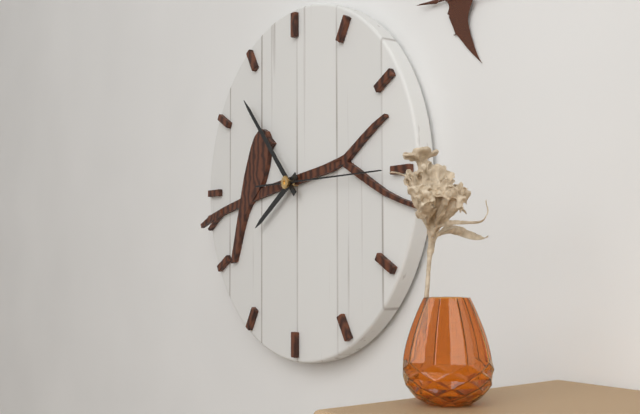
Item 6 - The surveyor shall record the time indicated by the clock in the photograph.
7:53:15
